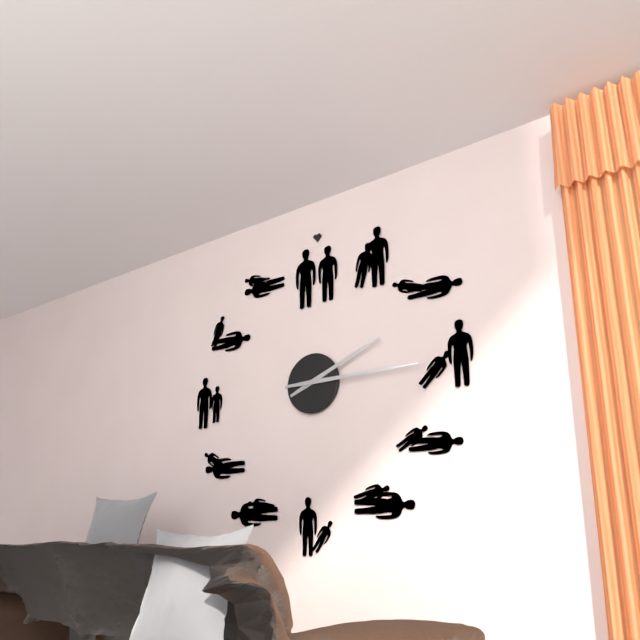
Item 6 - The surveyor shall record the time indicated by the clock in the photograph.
2:15
